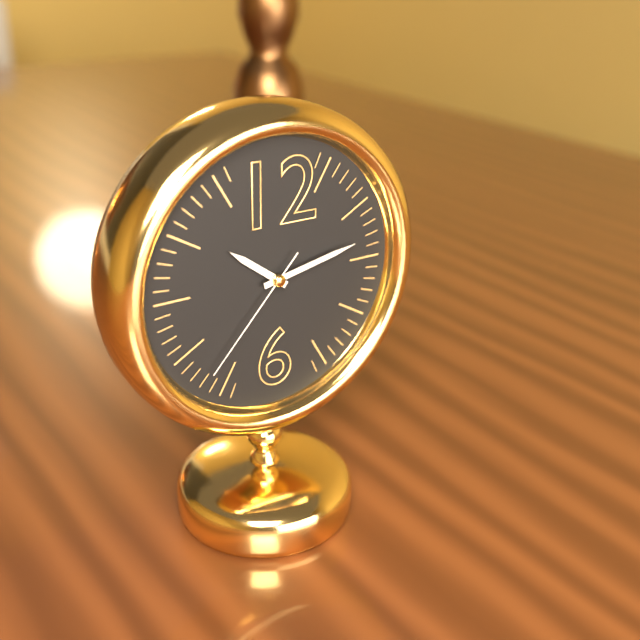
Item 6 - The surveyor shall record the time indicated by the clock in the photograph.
10:13:37
